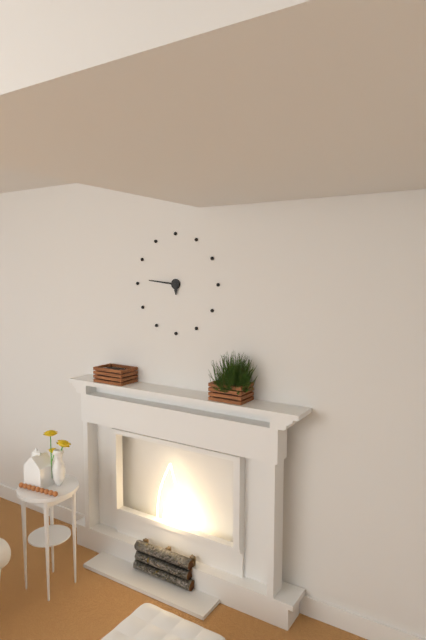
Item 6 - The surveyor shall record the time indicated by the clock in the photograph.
5:46
